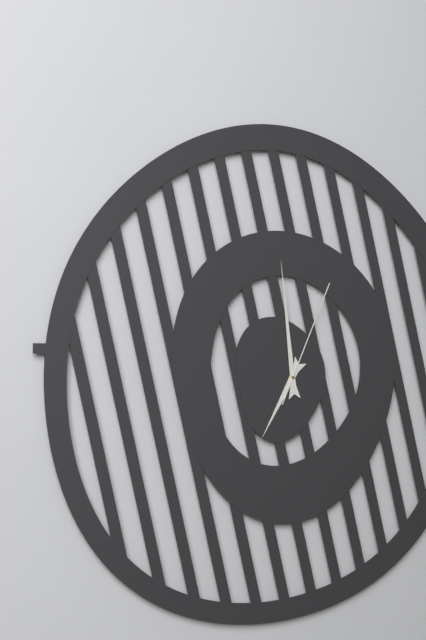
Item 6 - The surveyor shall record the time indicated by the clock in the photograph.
6:59:04
